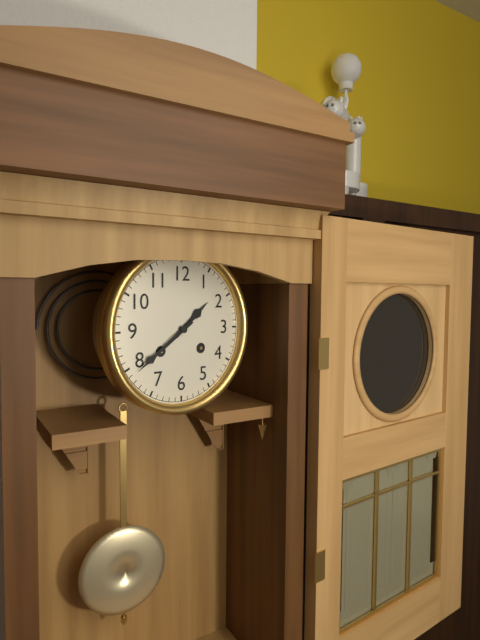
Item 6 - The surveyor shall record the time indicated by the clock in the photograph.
1:39
